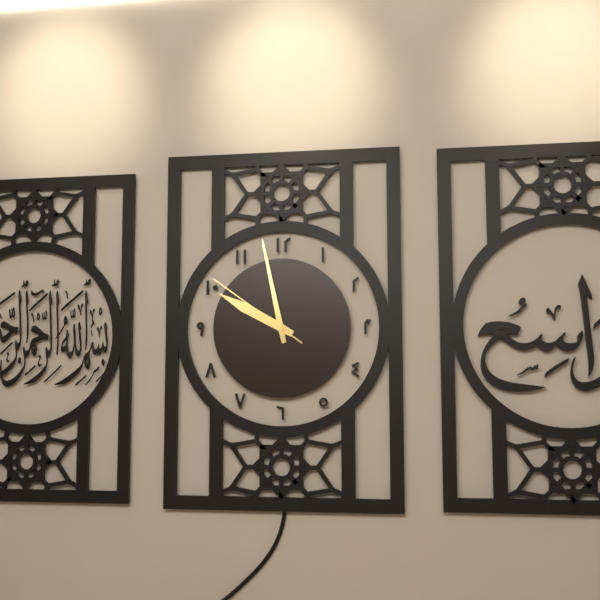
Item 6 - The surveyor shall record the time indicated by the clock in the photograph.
9:58:51
